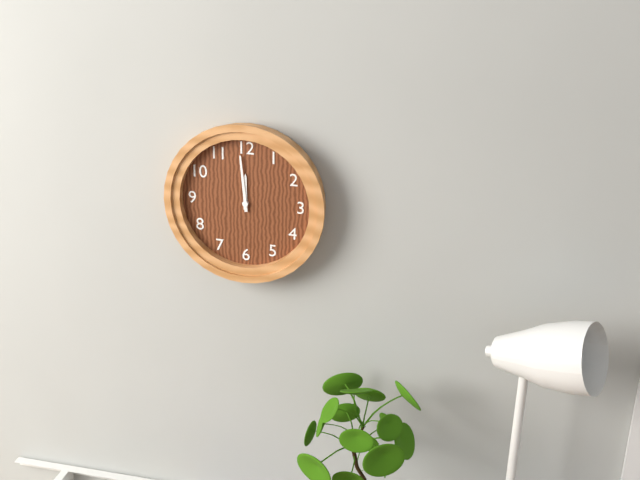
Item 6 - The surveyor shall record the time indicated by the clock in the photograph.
11:59
